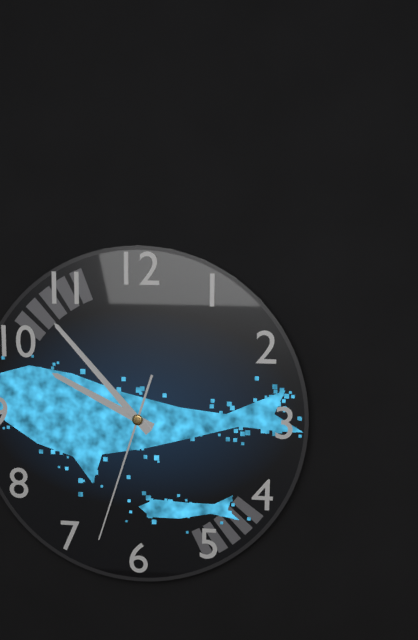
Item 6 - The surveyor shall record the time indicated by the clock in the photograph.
9:53:33
